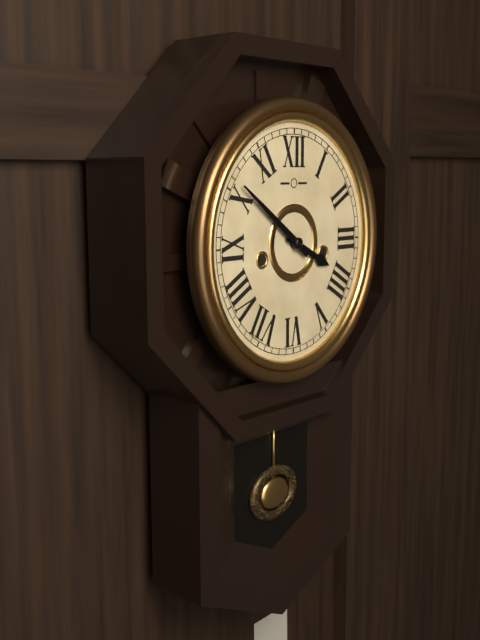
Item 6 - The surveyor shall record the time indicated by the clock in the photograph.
3:51
